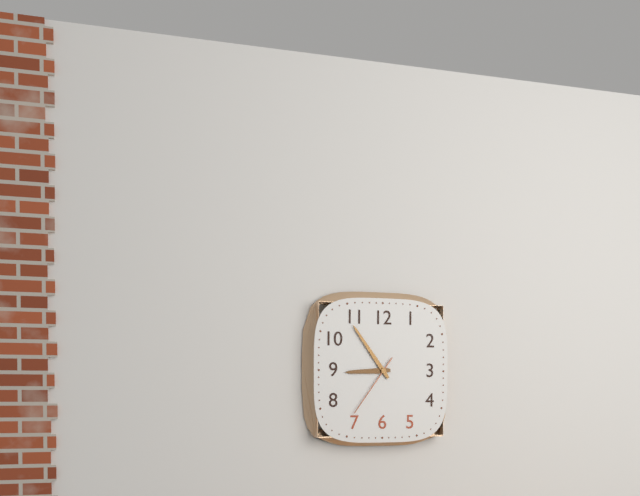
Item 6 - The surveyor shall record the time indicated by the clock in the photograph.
8:54:36
